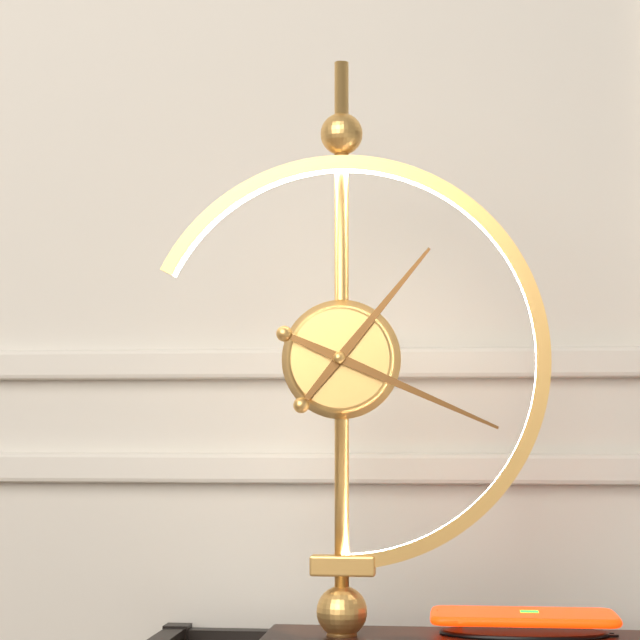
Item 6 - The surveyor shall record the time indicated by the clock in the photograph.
1:19
